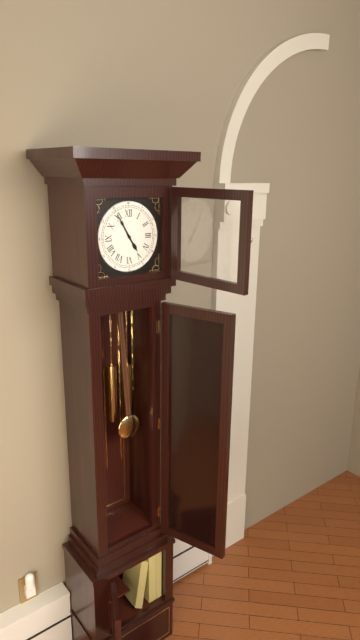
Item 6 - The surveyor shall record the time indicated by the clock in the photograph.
4:55
